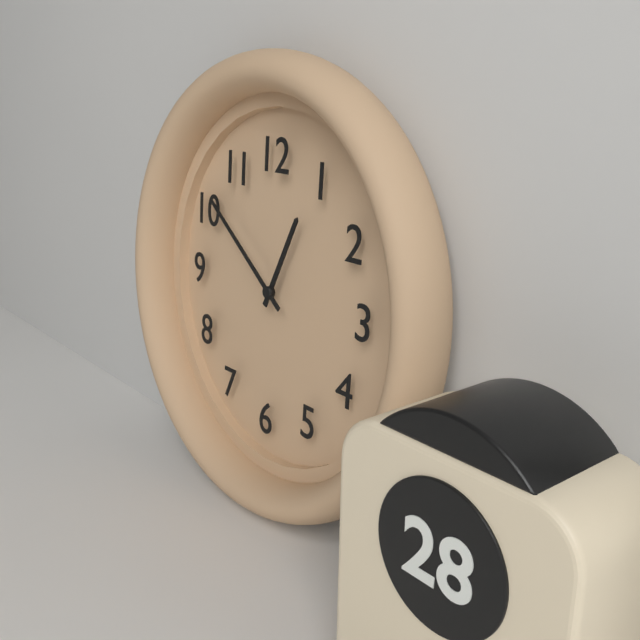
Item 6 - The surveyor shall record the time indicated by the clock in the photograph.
12:51
